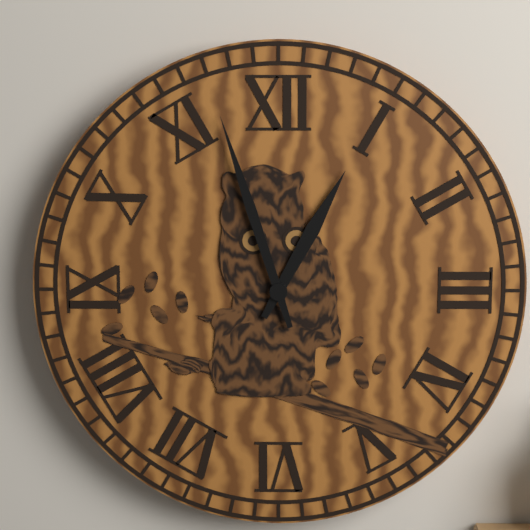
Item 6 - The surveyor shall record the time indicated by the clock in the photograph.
12:57
